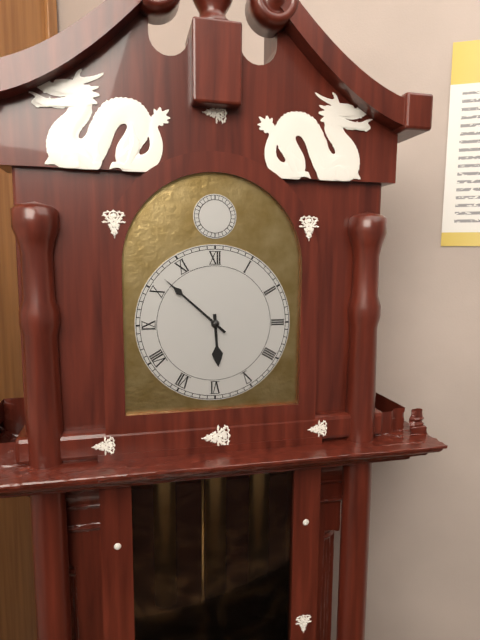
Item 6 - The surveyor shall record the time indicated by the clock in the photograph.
5:52
